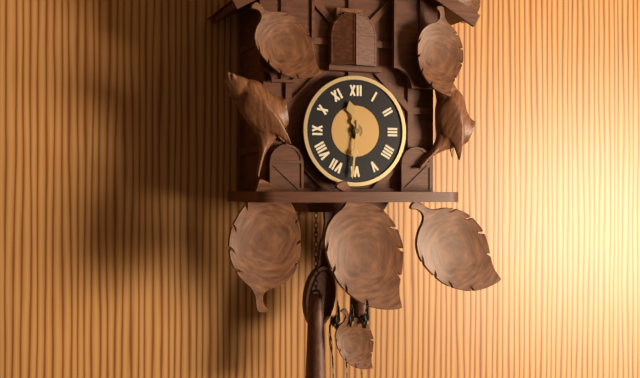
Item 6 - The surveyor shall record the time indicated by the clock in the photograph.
11:31
